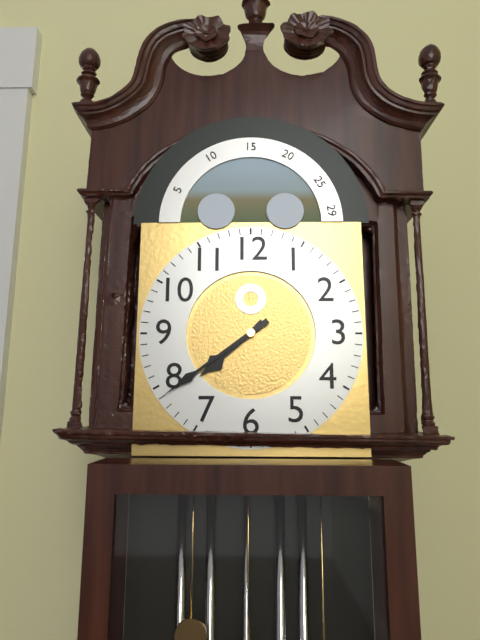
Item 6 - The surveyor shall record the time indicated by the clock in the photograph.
7:39
